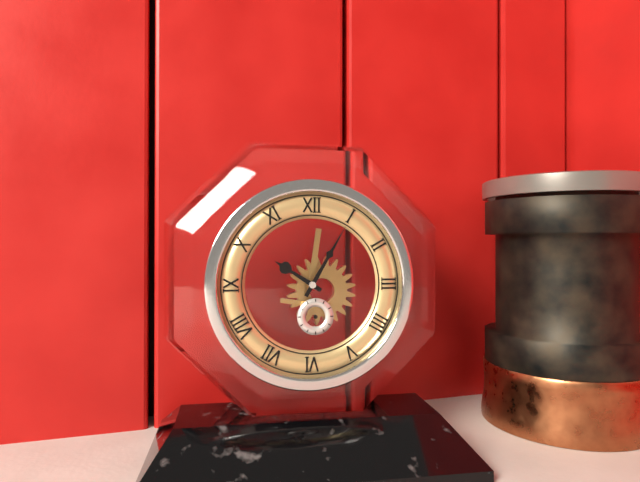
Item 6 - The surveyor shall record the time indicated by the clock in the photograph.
10:05
